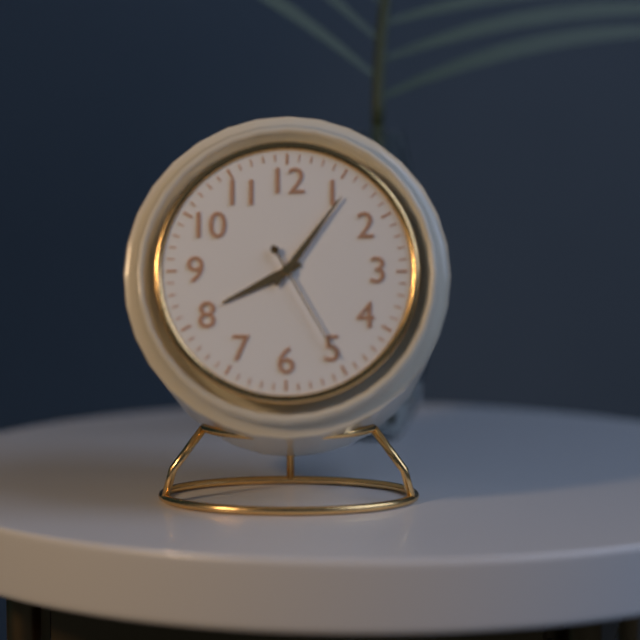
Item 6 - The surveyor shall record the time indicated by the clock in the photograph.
8:06:25
